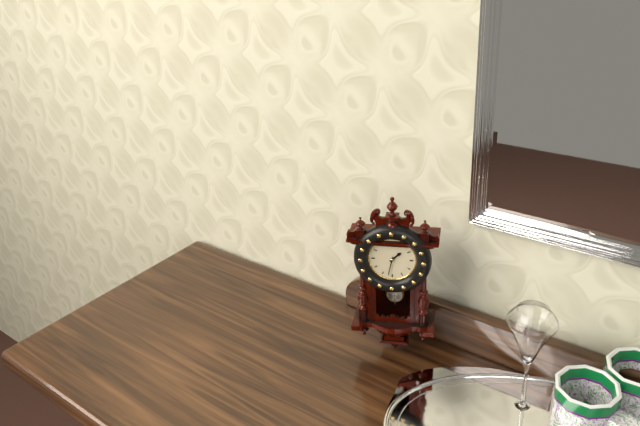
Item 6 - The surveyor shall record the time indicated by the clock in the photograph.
1:32
